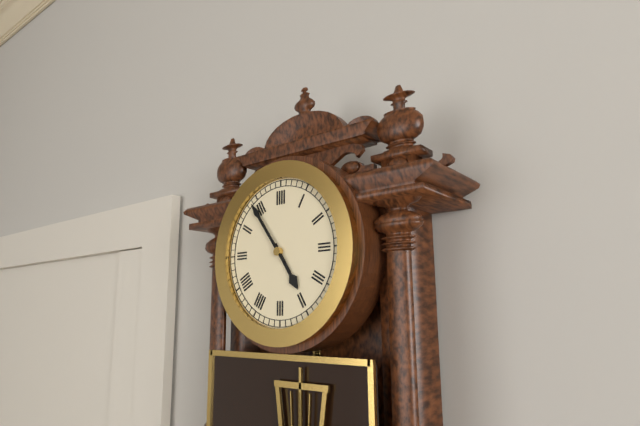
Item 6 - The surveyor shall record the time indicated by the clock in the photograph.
4:54
